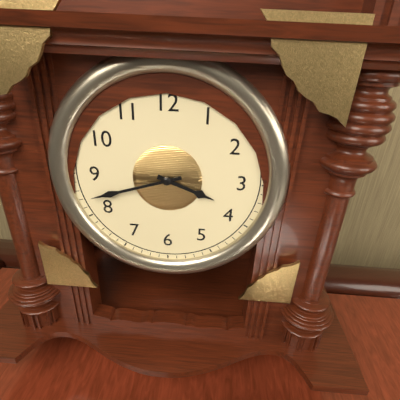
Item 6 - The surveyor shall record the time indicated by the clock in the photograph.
3:42
